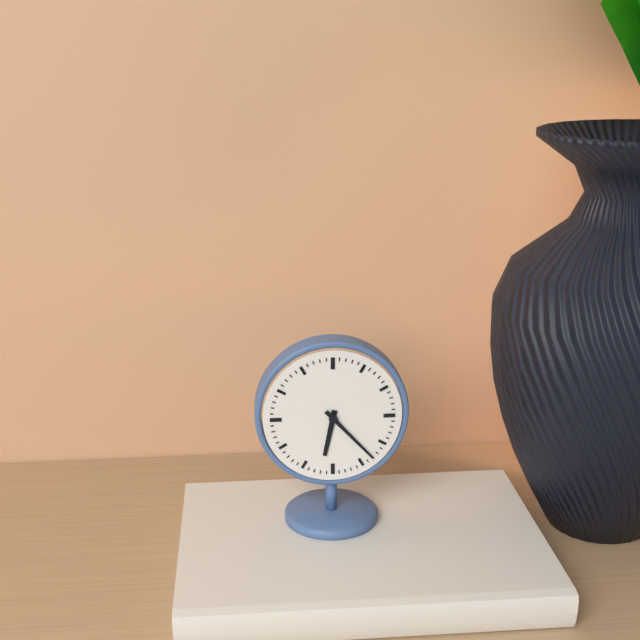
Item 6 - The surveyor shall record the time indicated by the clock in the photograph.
6:23
